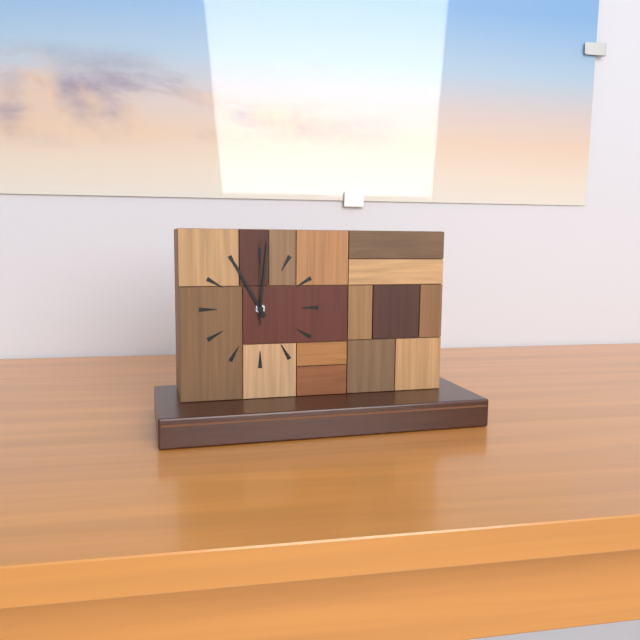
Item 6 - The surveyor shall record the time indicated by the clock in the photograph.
11:01:00
